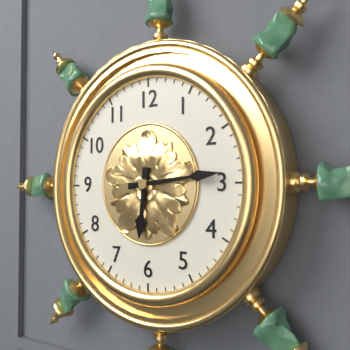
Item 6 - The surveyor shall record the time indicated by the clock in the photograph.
6:14
